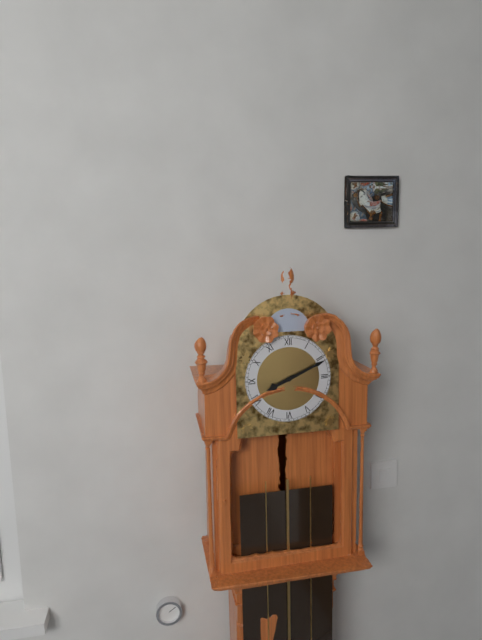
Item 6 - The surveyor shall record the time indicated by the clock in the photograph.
8:11
